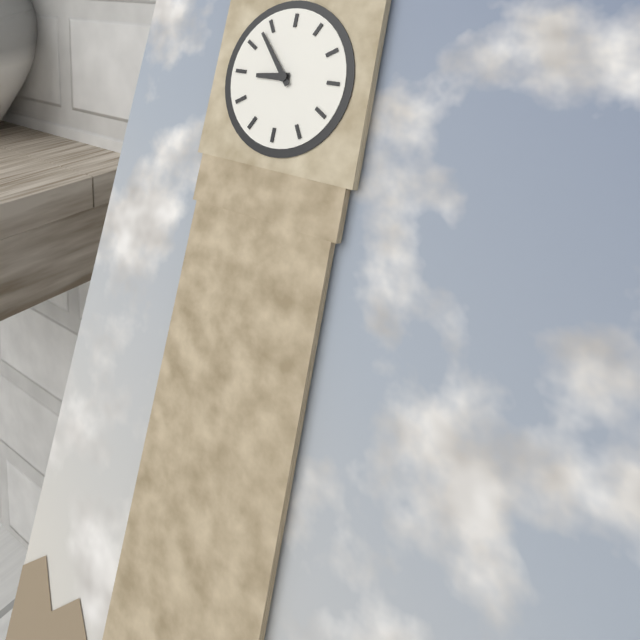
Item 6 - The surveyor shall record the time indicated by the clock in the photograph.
8:53
